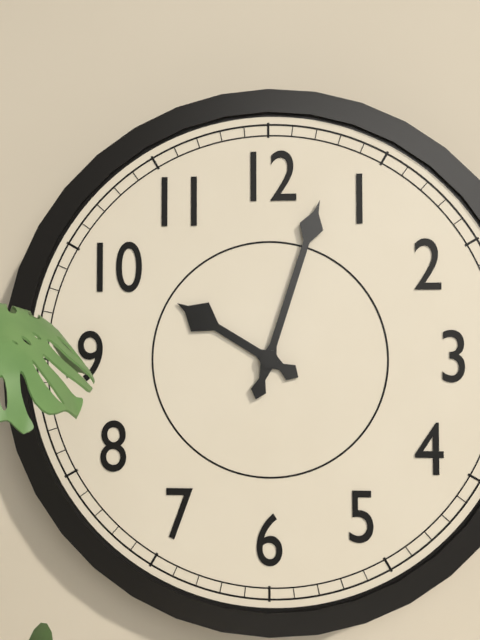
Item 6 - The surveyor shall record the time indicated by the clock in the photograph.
10:03
